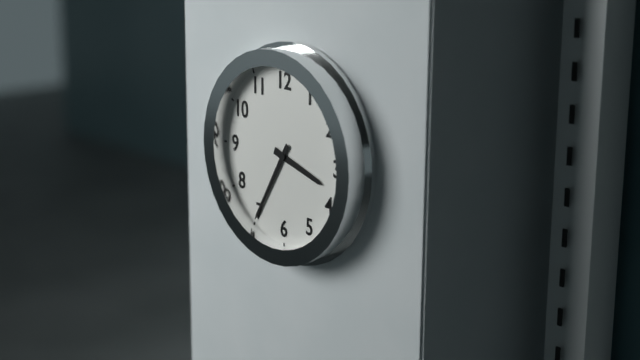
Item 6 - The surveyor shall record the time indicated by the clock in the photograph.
3:35
